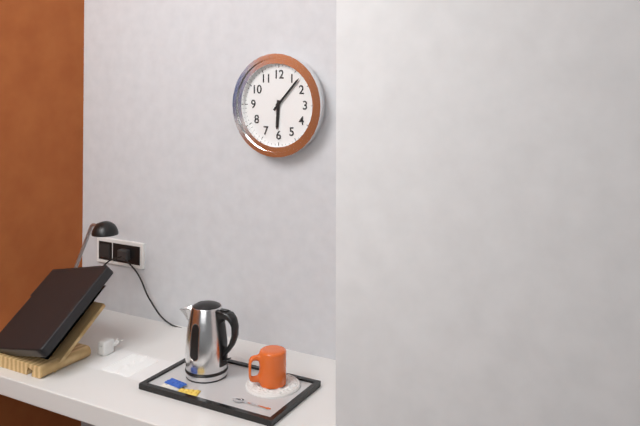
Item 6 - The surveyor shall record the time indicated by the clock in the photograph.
6:07
